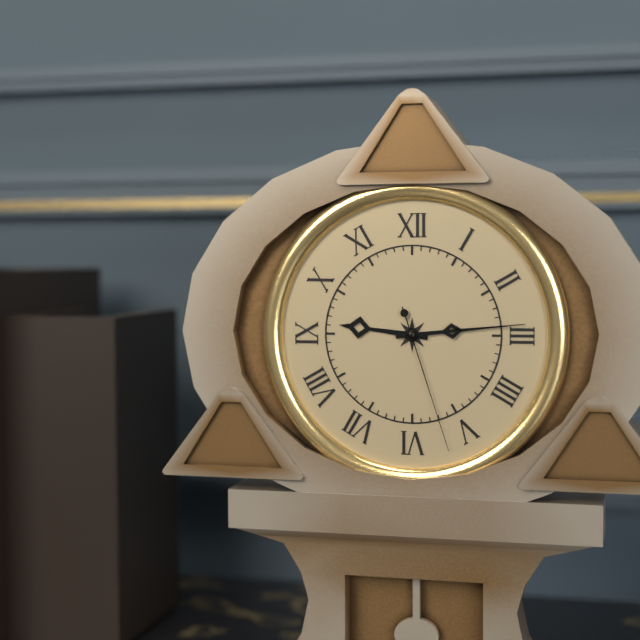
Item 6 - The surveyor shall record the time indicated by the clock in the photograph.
9:14:27
